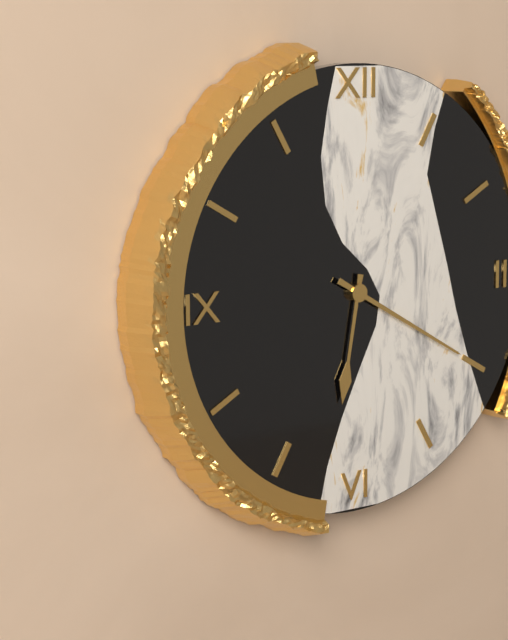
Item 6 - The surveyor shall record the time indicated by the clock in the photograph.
6:20
